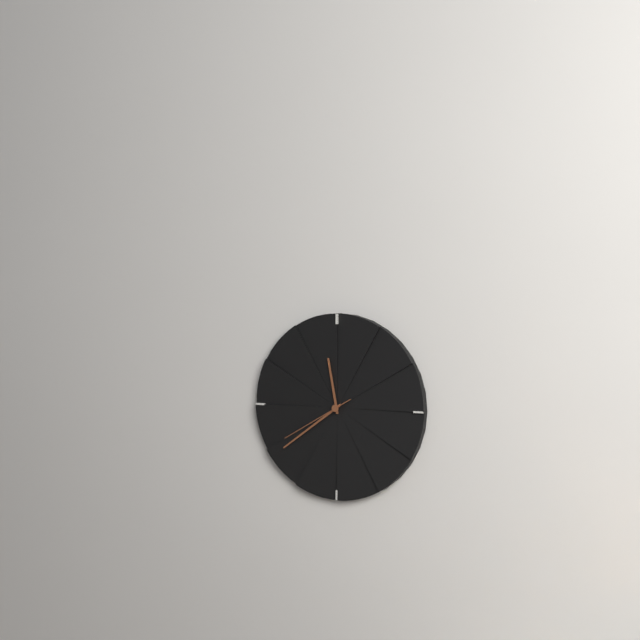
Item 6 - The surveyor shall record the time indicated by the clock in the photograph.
11:39:40
